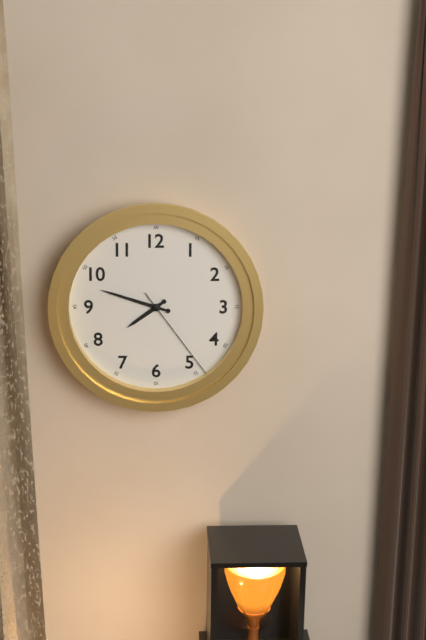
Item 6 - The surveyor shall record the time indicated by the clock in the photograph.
7:48:24
